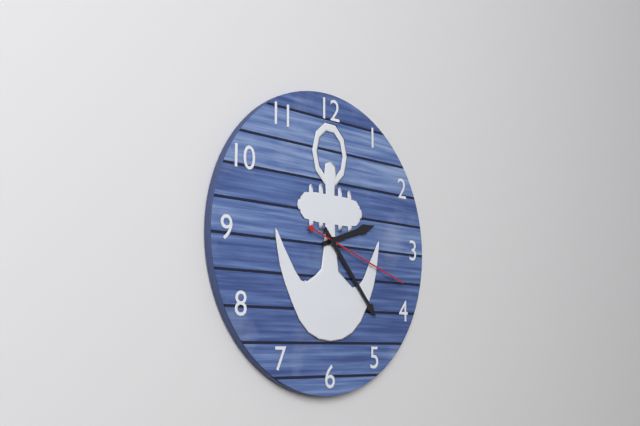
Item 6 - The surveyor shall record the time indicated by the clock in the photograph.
2:23:18
